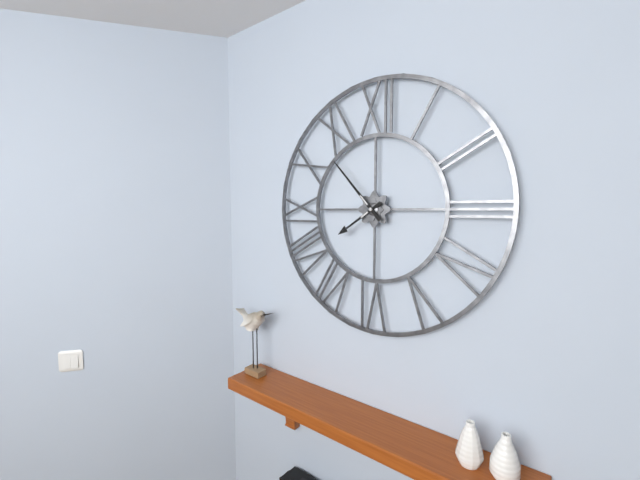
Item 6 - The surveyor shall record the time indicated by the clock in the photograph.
7:53
